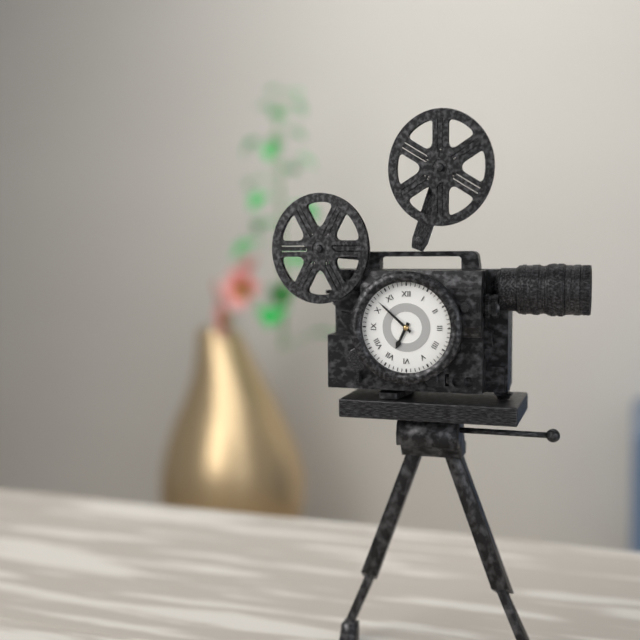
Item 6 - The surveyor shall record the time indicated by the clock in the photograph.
6:52
